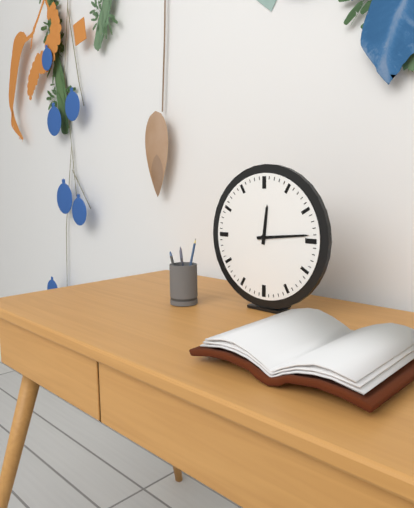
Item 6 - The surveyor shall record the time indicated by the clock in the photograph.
12:14
